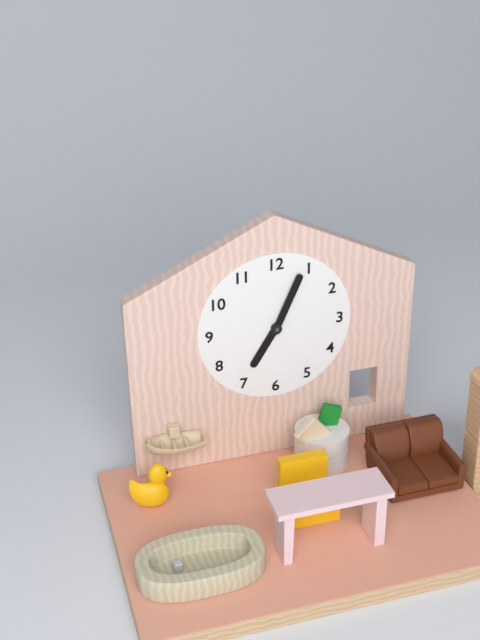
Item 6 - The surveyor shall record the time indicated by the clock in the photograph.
7:04
